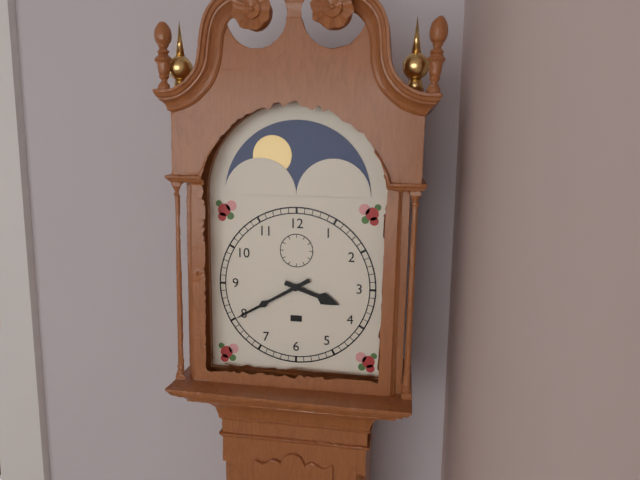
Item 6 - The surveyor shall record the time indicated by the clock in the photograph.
3:40
